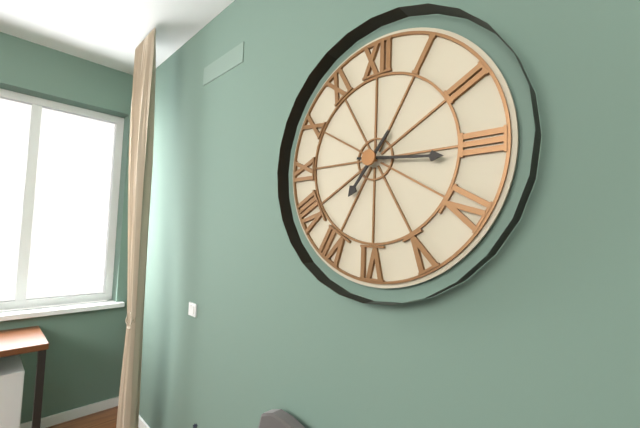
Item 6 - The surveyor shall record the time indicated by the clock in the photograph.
7:16
